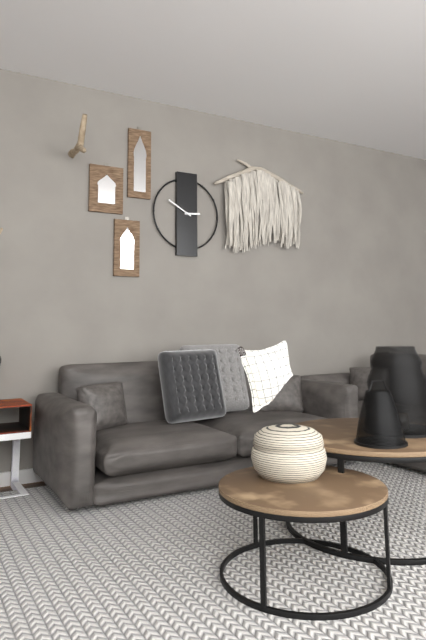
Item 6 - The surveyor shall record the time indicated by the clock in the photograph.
2:50
